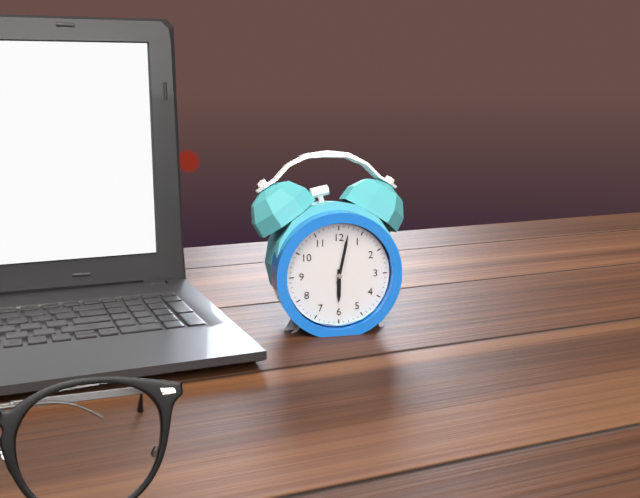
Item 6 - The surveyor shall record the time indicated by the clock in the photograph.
6:02
